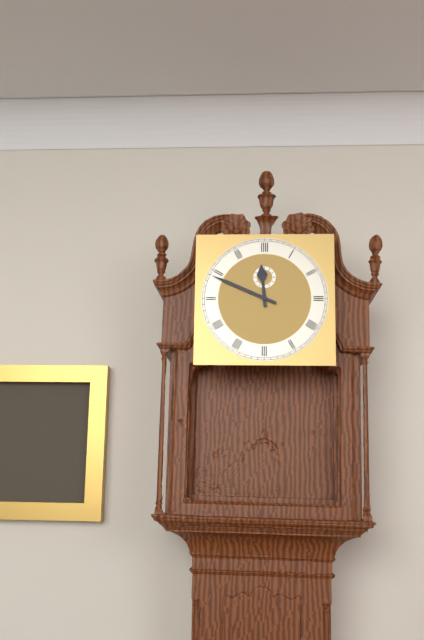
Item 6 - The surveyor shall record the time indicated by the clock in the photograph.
11:49
